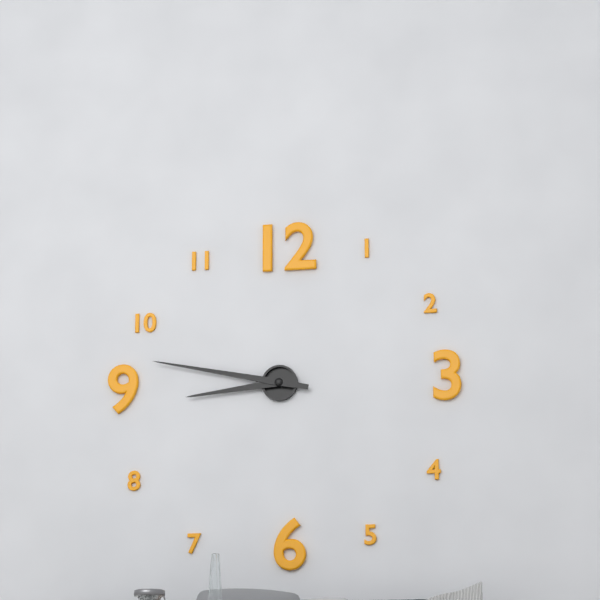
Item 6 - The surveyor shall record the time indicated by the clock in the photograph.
8:47
